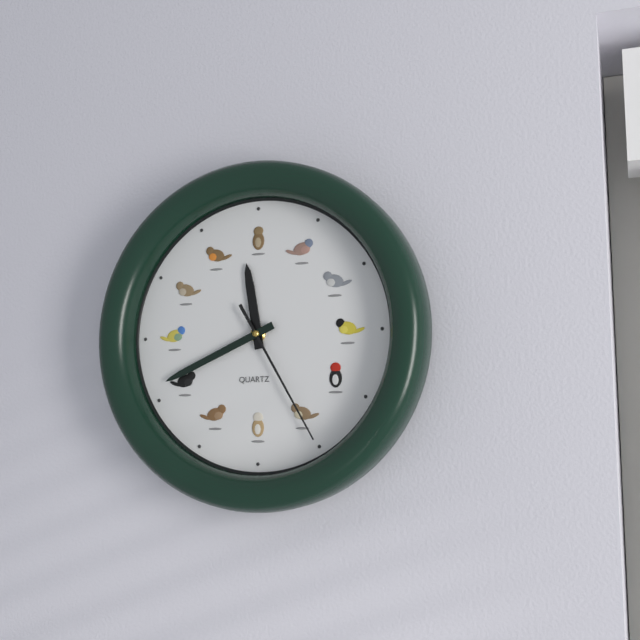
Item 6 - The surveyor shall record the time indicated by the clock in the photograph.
11:41:25
